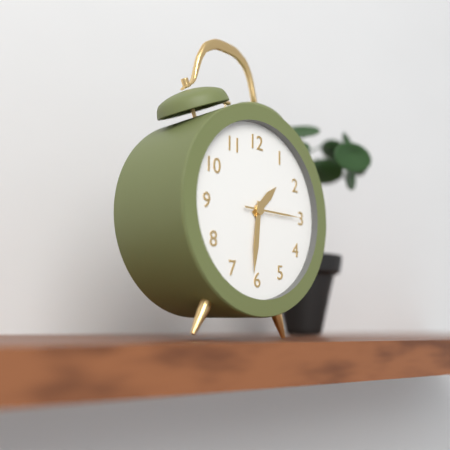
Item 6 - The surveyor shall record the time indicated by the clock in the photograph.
1:31:15
